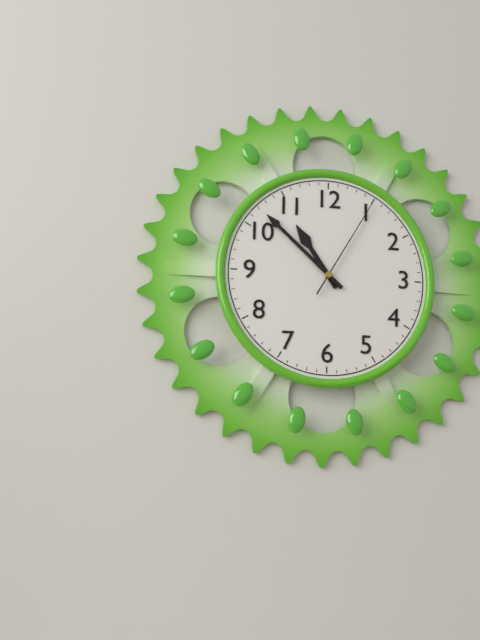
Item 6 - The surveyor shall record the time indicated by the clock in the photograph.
10:52:05
